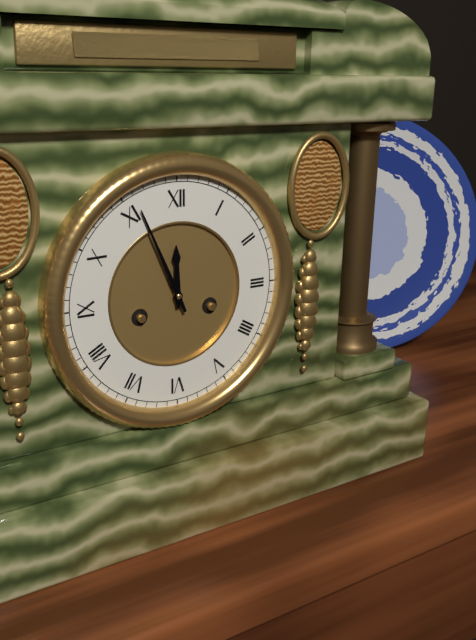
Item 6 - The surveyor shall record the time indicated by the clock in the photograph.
11:56
